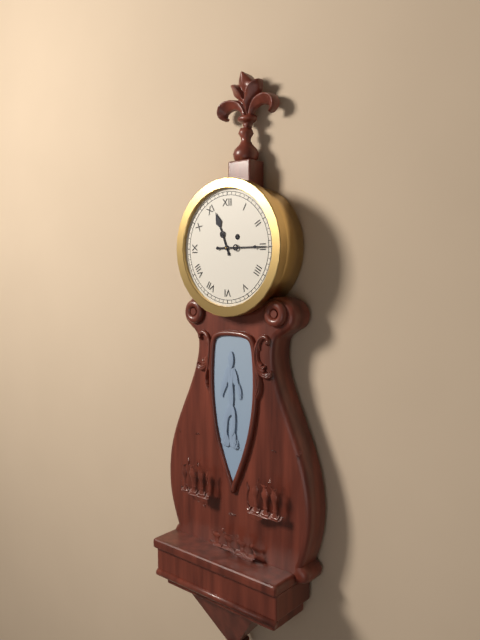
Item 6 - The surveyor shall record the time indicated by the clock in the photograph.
11:15
